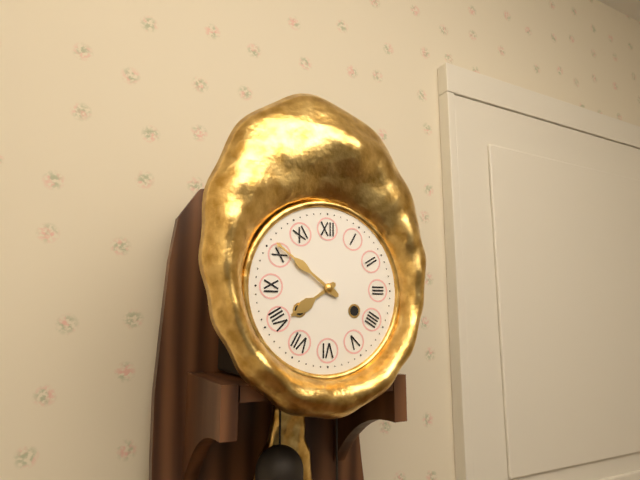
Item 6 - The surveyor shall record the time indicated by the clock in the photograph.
7:51
